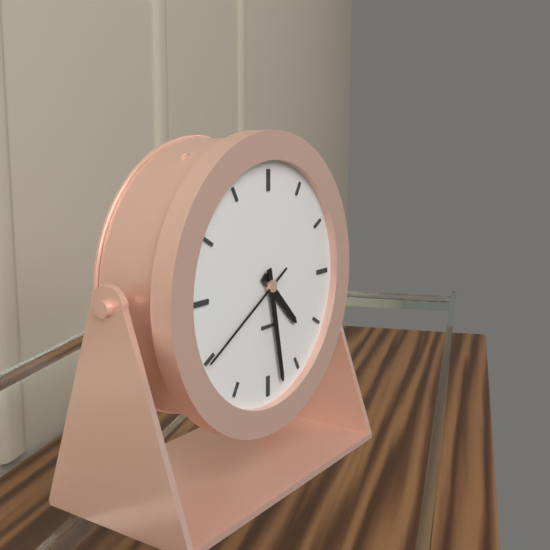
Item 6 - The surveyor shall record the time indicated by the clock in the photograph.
4:28:40
